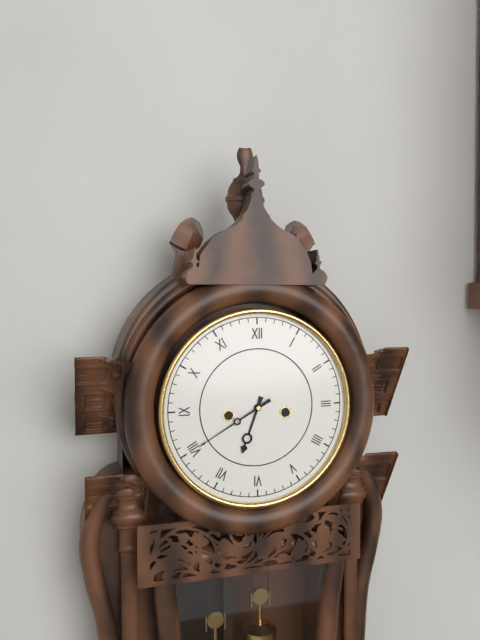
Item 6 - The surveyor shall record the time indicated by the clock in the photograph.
6:40
